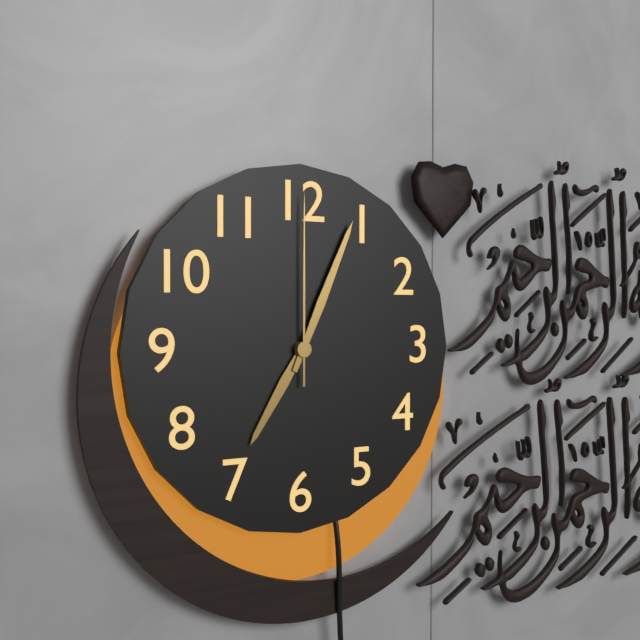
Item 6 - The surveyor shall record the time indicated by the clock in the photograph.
7:04:00
